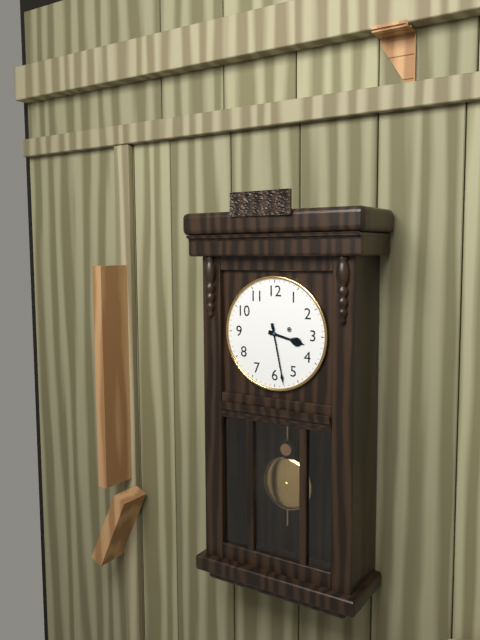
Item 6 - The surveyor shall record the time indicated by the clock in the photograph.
3:28
